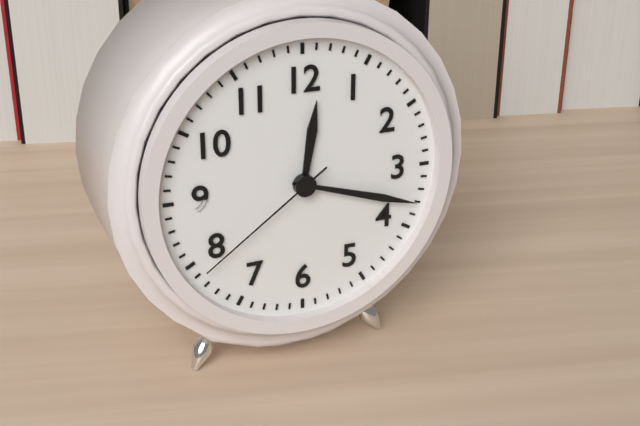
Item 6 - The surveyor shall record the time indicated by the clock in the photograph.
12:18:39
